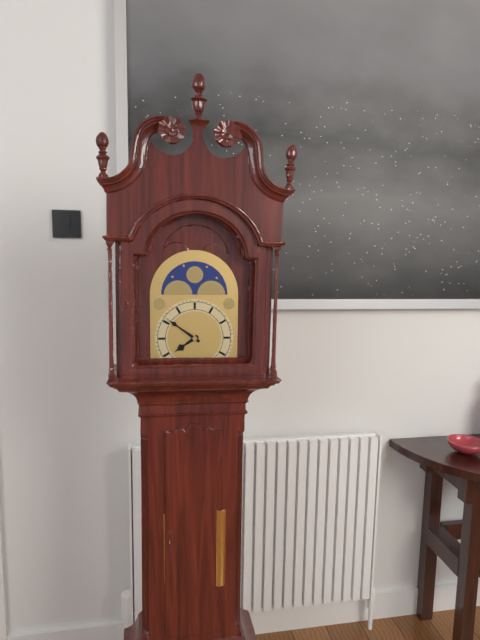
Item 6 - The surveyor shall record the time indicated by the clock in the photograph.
7:51
